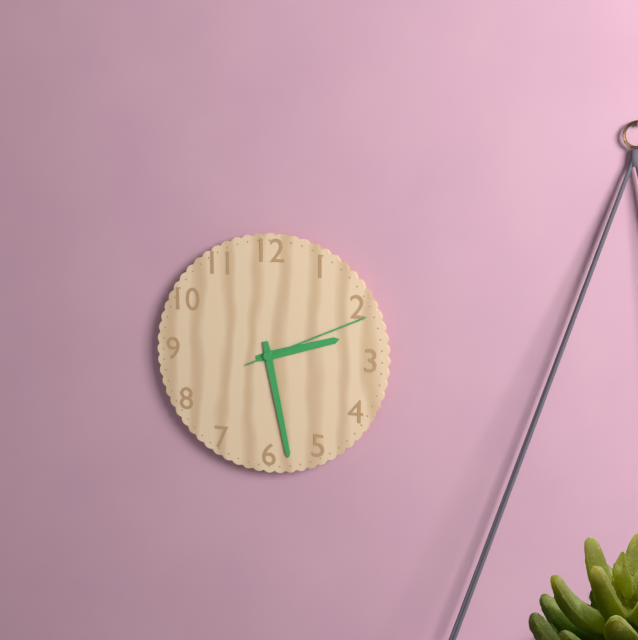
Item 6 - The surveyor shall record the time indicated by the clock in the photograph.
2:28:11
